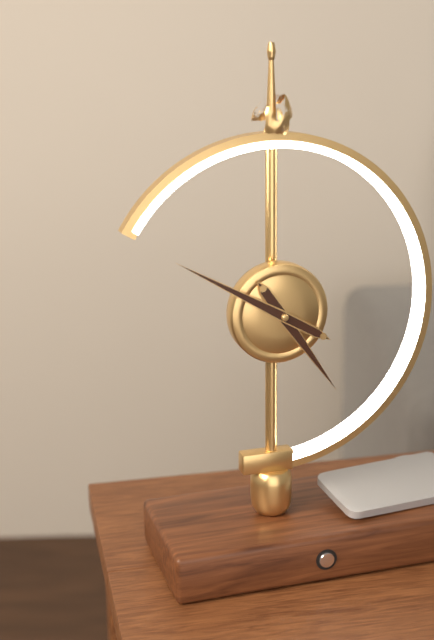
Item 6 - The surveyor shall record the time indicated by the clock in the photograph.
4:50
